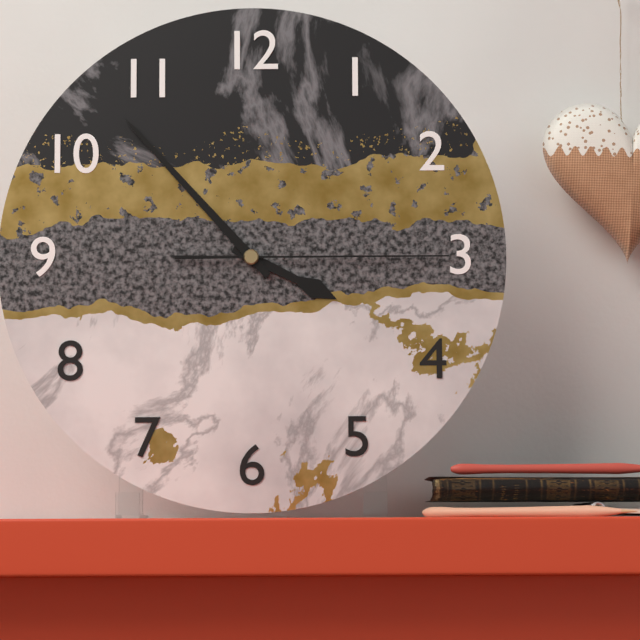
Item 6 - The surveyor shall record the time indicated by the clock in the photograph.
3:53:15
